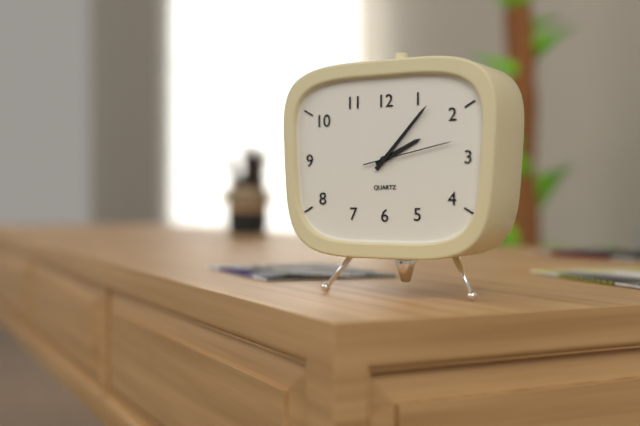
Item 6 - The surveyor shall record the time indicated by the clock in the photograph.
2:07:13
